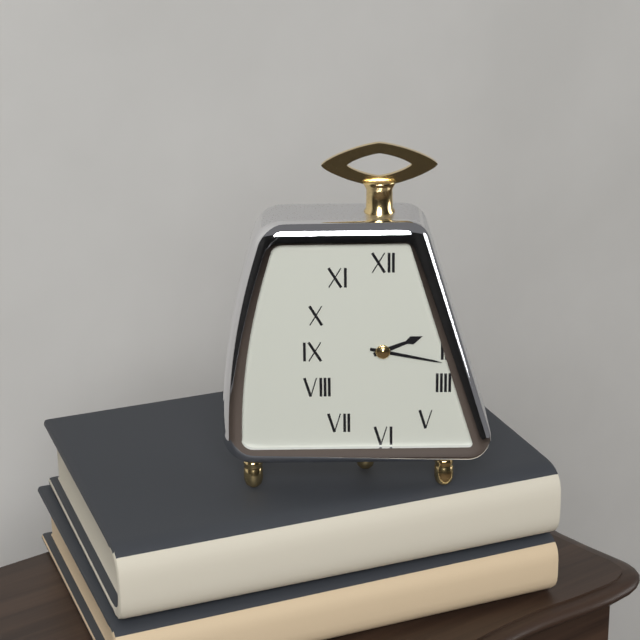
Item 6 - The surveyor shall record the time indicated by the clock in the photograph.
2:17
